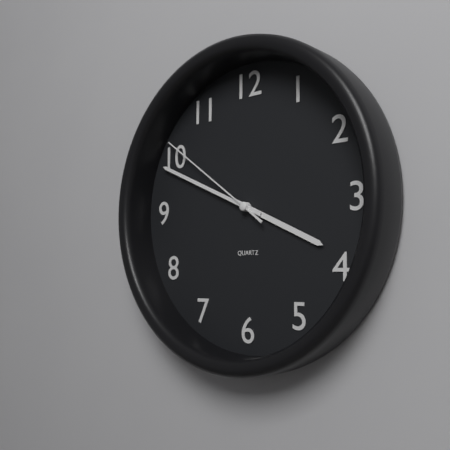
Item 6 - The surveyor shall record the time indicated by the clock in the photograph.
3:49:51
